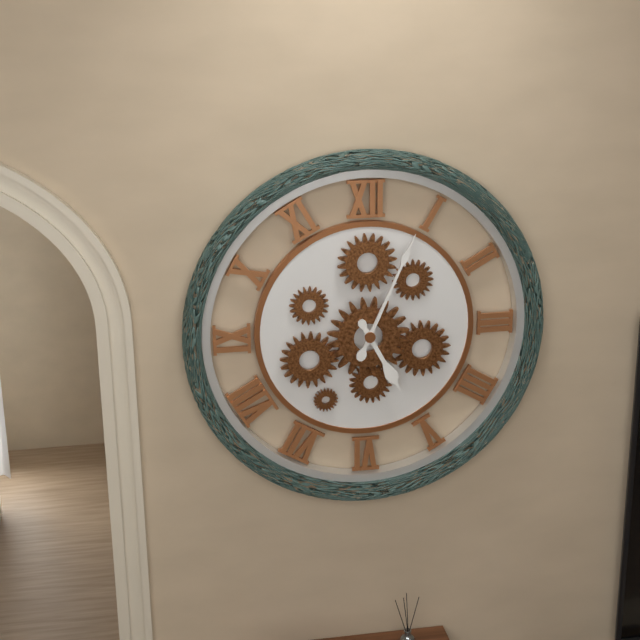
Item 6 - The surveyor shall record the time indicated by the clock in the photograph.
5:04
